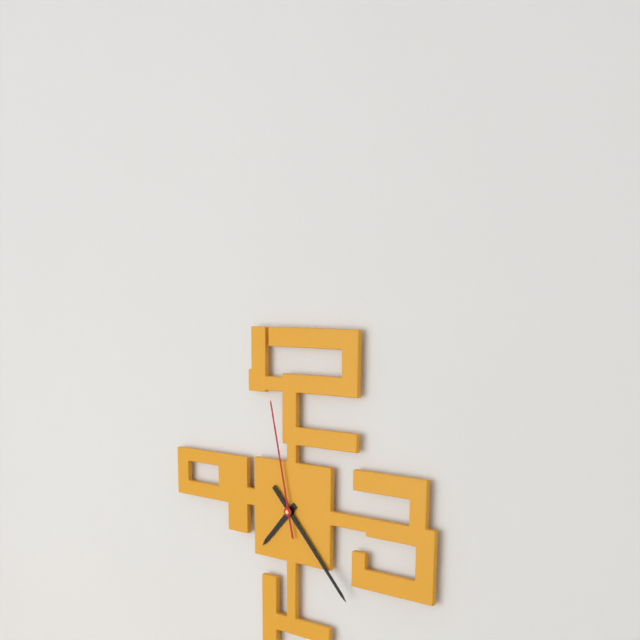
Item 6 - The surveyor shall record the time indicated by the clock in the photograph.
7:23:58
